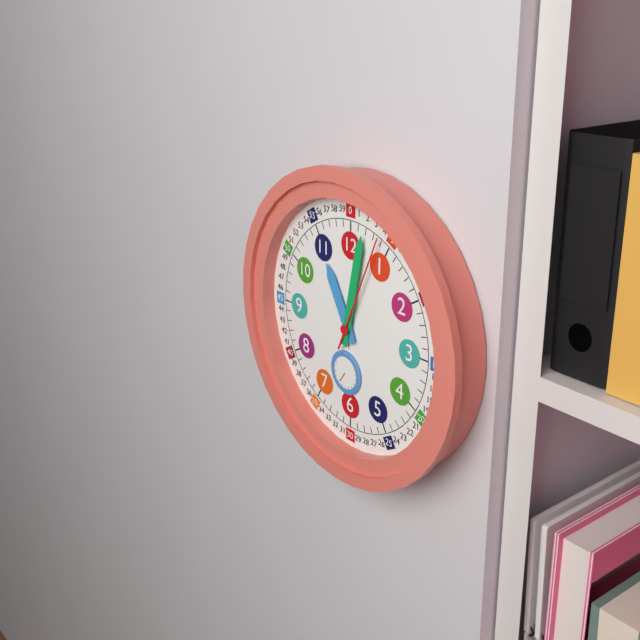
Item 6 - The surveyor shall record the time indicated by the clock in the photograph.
11:02:04
